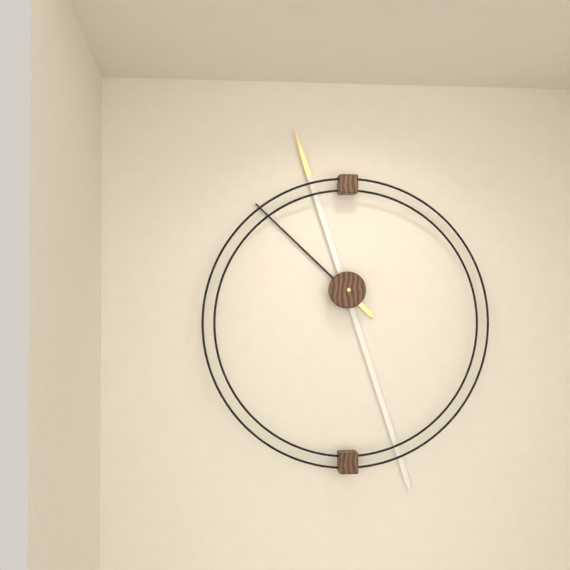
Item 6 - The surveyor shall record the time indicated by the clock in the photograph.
10:27
